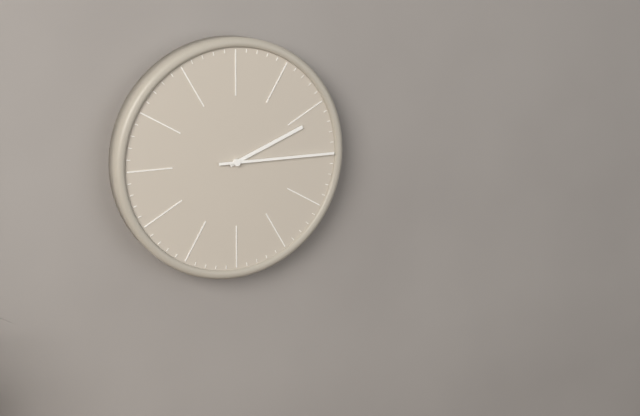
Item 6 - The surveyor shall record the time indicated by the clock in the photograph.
2:15
